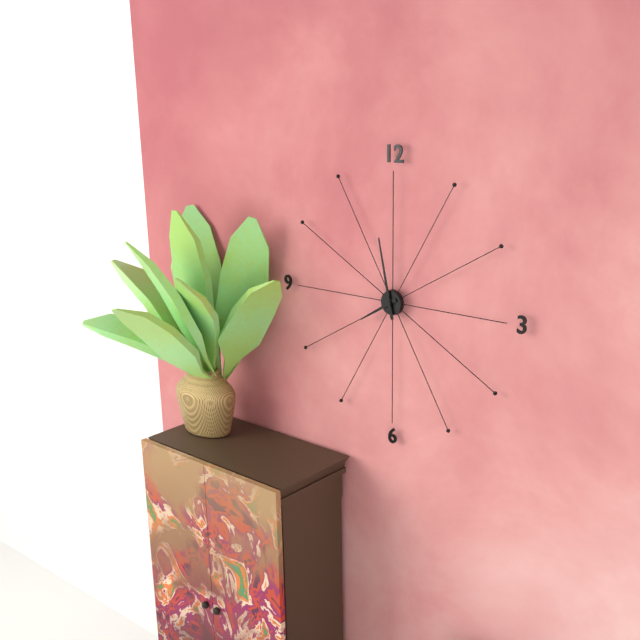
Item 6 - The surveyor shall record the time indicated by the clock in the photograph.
7:58
